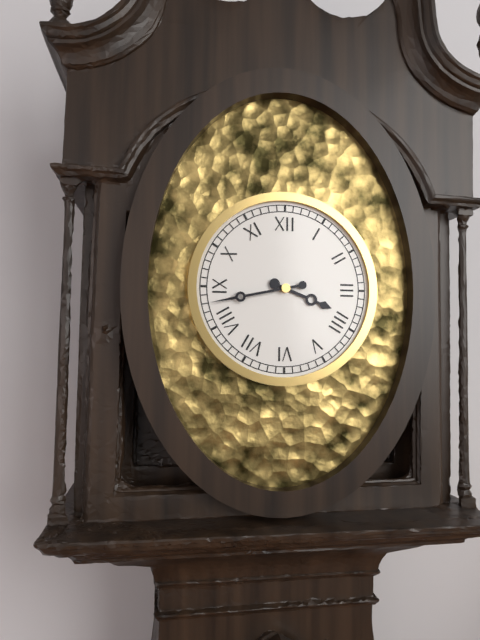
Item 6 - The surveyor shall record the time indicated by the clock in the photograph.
3:43
